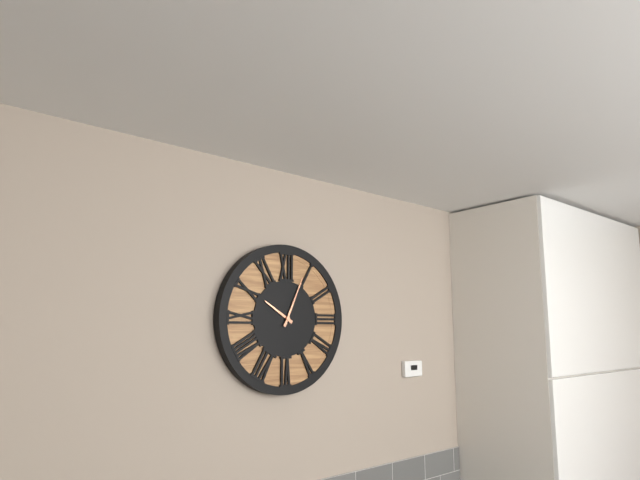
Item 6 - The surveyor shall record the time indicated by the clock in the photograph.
10:04
